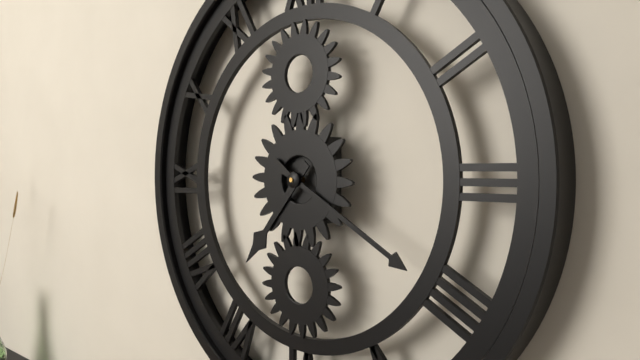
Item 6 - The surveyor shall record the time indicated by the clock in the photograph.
7:20
